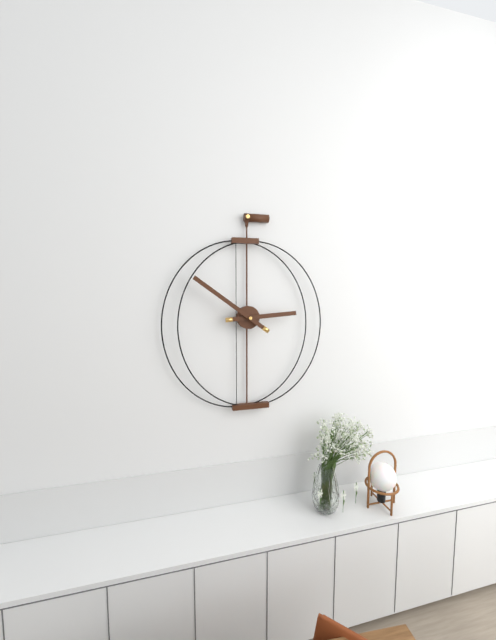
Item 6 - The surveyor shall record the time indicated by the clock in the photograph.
2:51
